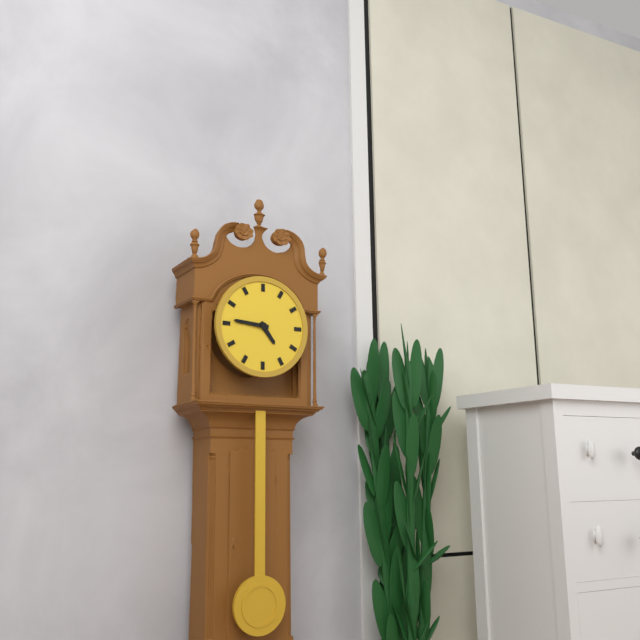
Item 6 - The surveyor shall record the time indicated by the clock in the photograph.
4:46
